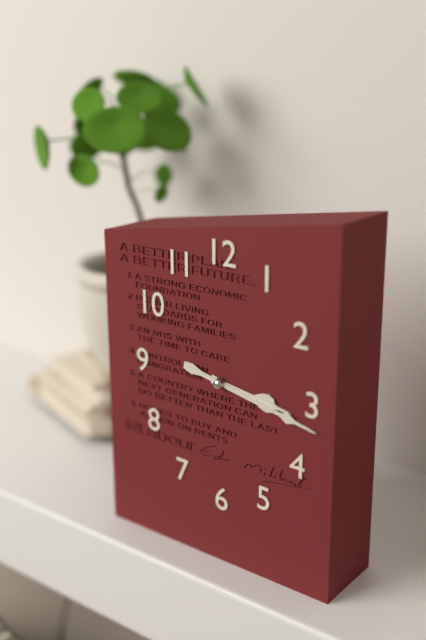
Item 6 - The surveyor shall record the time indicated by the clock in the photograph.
3:17
